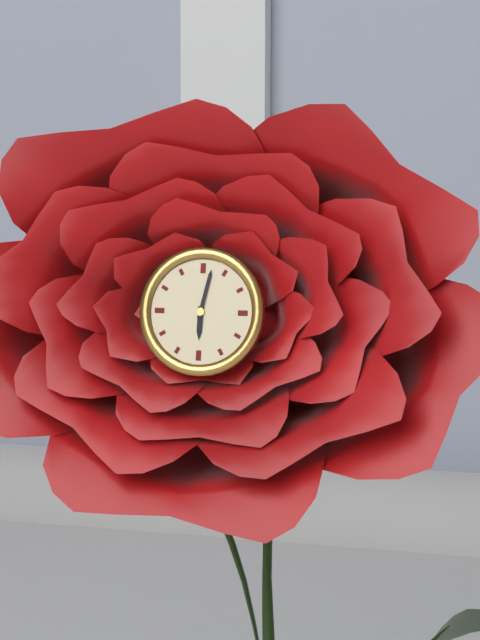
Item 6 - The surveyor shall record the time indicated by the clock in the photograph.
6:02
